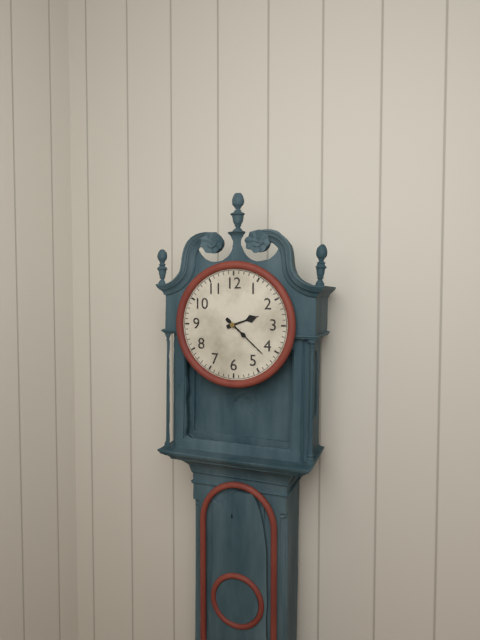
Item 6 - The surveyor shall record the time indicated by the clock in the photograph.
2:22
